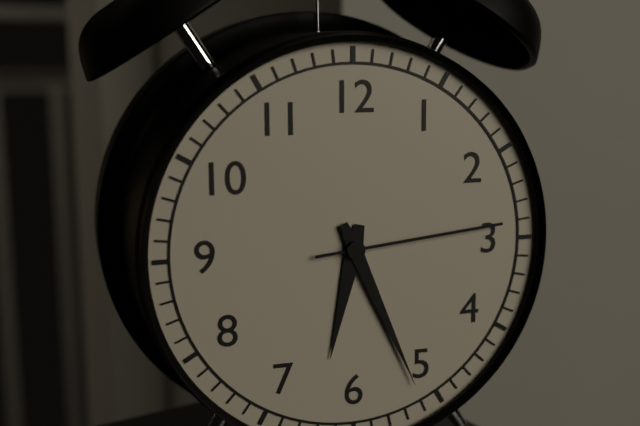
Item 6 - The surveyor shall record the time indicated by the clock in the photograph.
6:26:14
